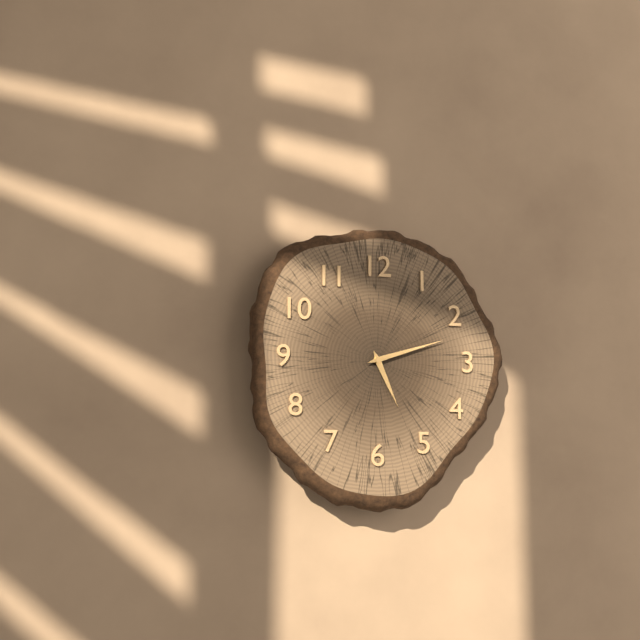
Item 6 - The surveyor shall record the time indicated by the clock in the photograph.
5:12
